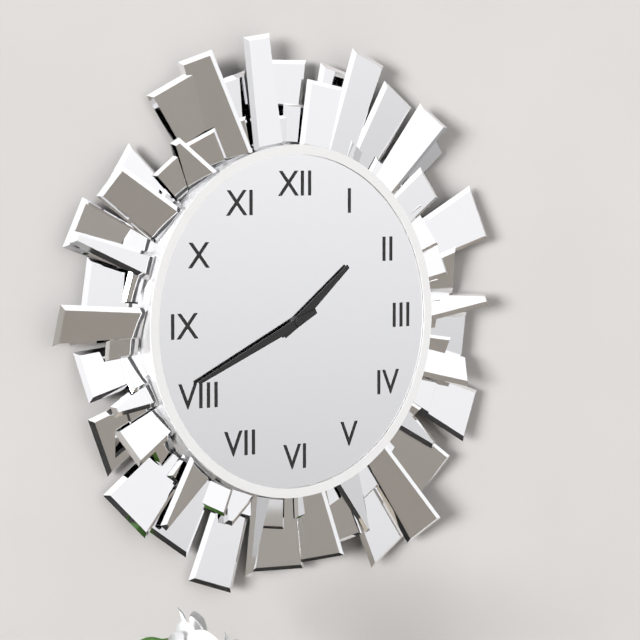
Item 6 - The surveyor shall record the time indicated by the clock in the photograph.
1:41
